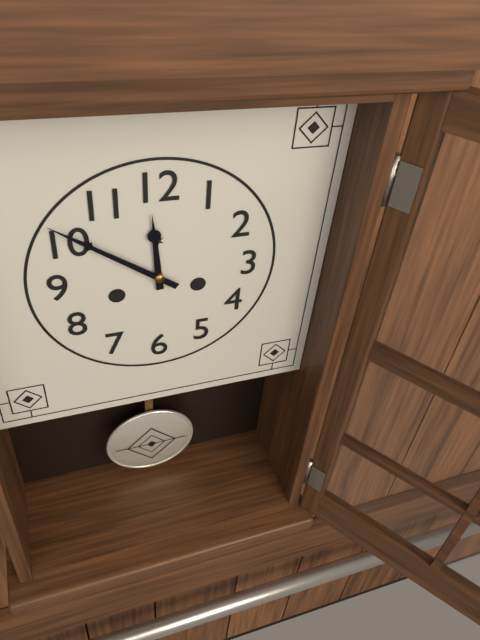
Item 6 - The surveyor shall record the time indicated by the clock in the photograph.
11:51
